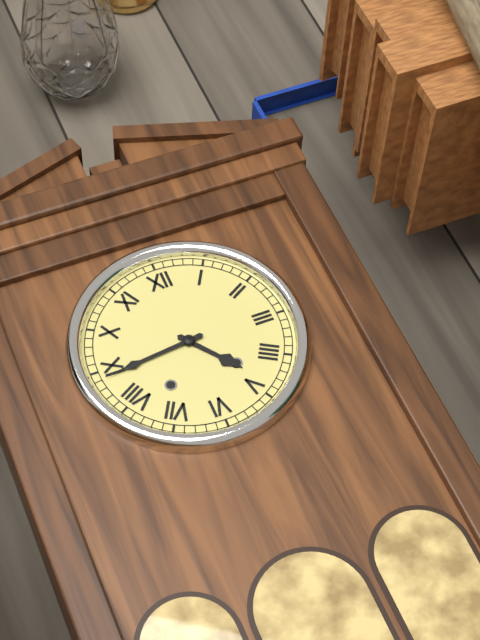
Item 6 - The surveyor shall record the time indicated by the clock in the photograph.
4:44
